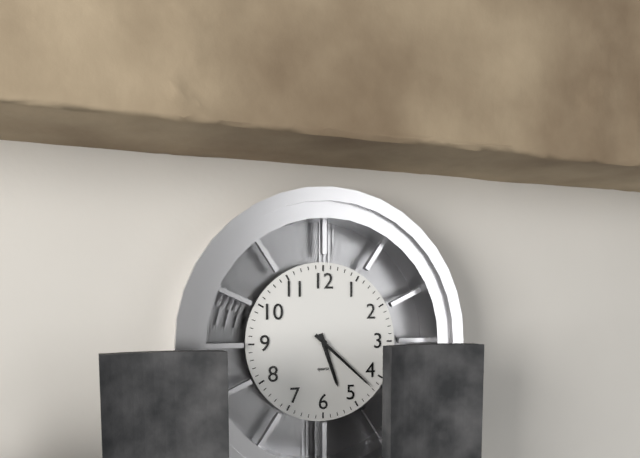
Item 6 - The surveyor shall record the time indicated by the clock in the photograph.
5:22
